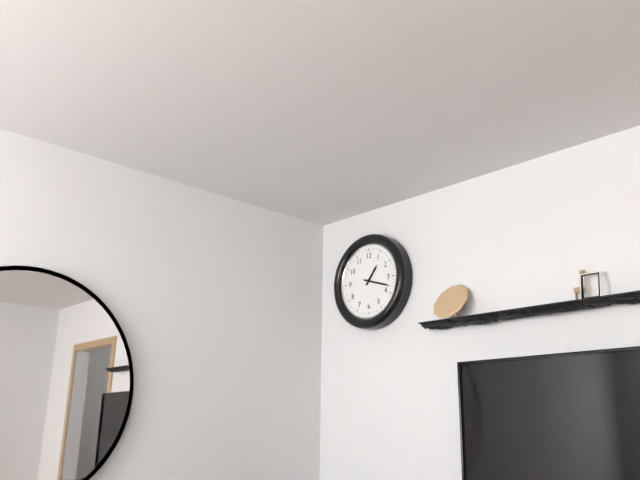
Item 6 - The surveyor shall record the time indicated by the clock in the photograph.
1:18
